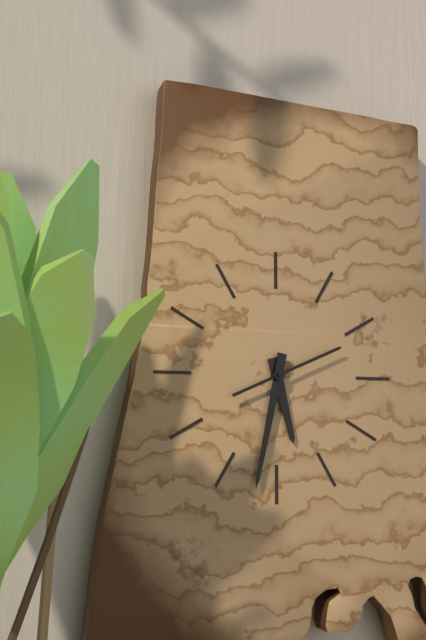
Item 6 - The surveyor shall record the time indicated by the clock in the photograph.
5:32:11
